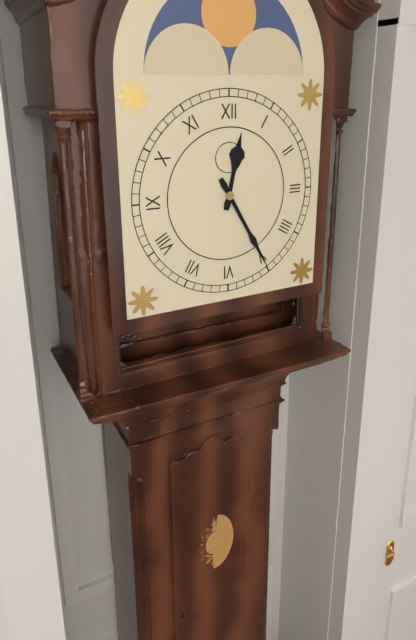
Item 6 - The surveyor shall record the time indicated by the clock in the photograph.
12:25
